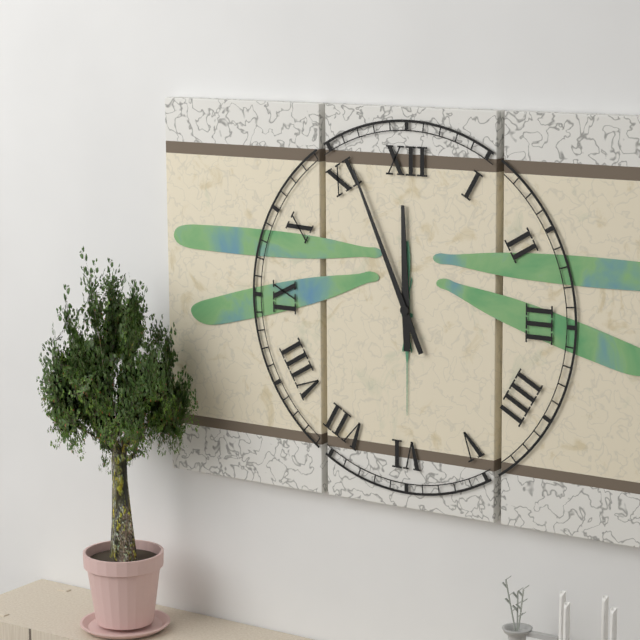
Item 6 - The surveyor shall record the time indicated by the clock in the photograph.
11:56
